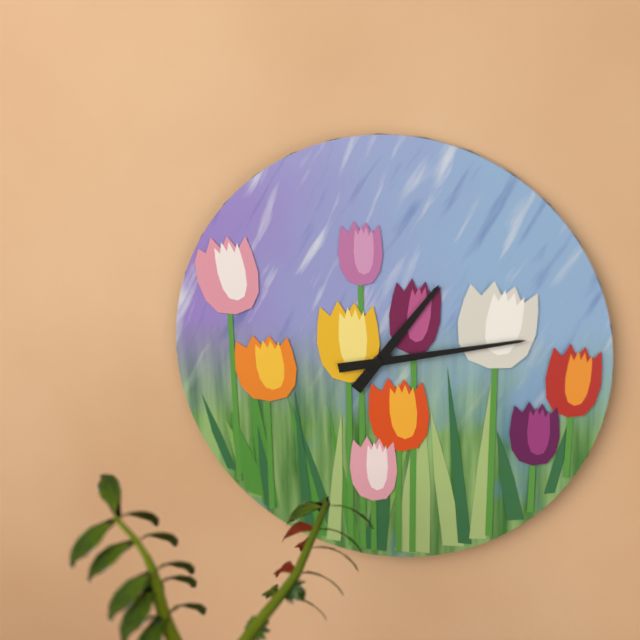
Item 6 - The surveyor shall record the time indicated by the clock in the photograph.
1:13
